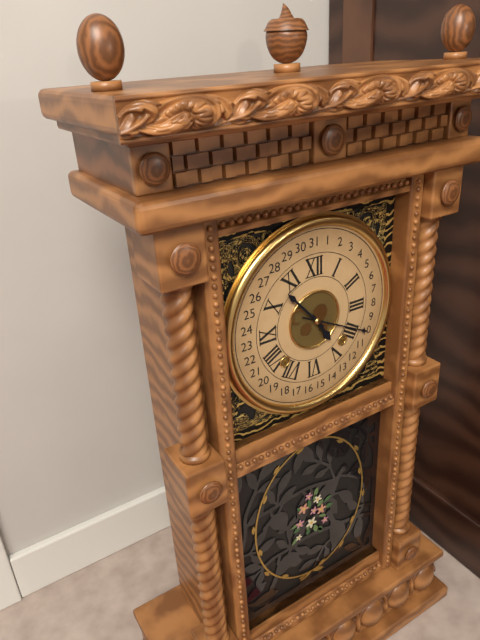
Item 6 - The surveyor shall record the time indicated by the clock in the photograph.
4:53
